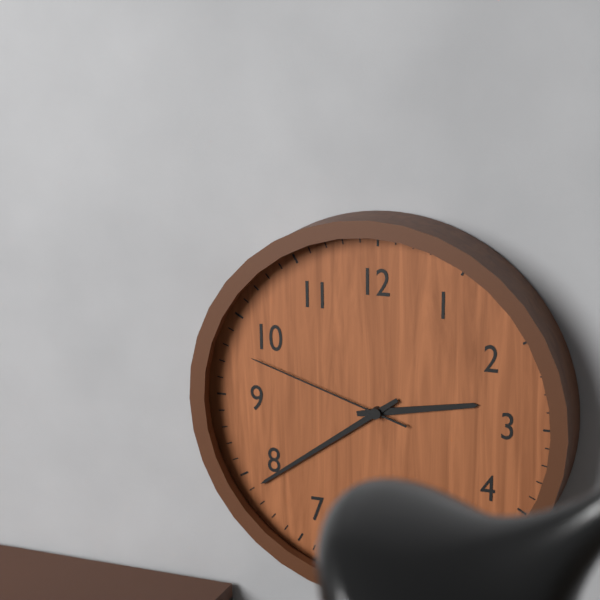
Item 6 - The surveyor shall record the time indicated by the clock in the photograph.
2:39:48
